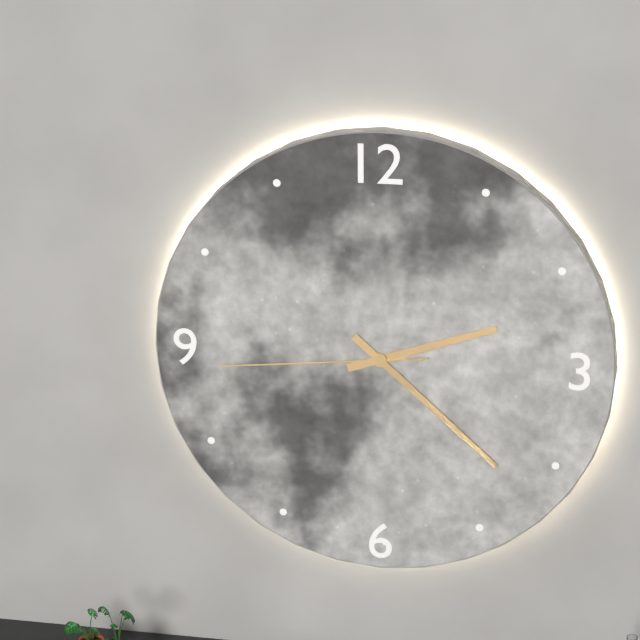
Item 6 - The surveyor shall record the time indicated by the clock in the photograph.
2:22:44
